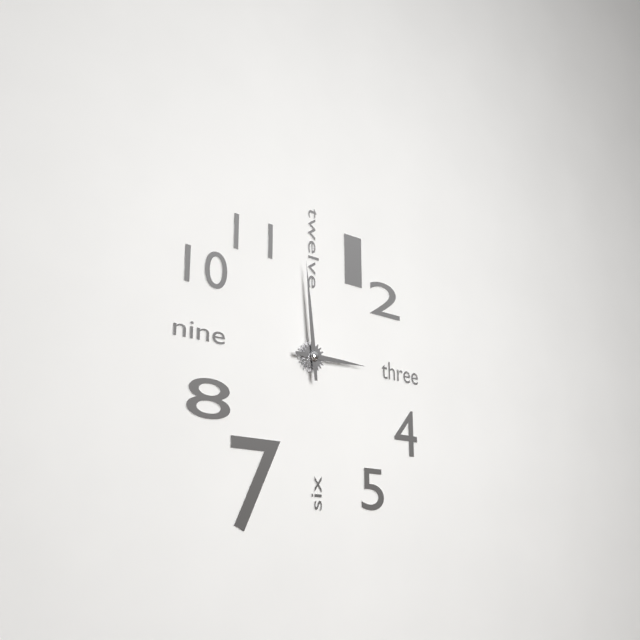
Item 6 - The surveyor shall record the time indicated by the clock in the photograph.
2:59
